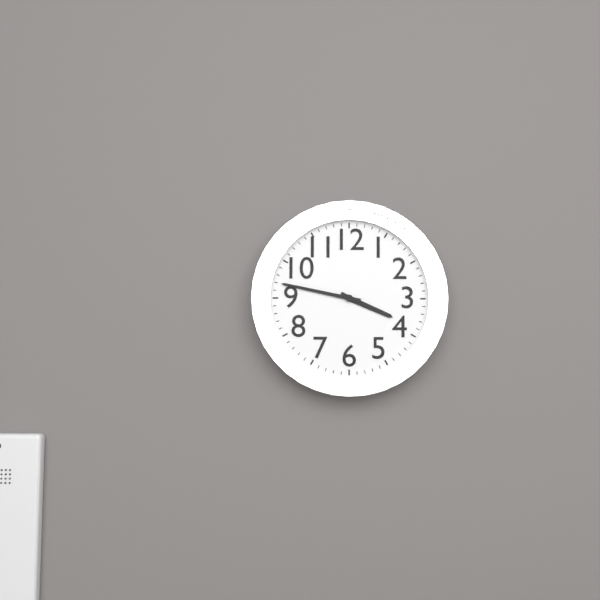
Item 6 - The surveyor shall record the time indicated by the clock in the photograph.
3:47
